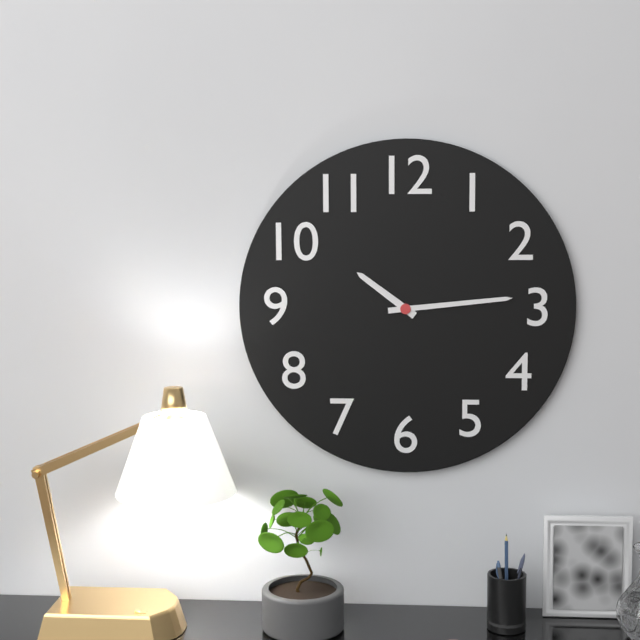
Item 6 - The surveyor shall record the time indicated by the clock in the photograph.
10:14
